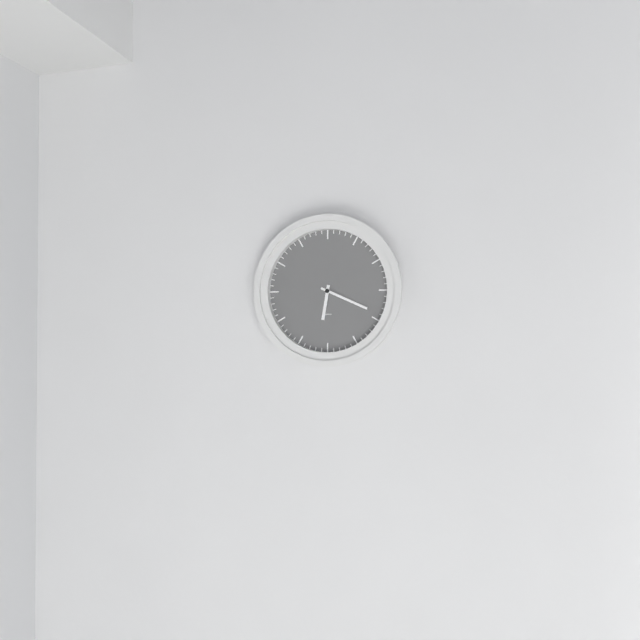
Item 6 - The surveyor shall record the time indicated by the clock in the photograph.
6:19
